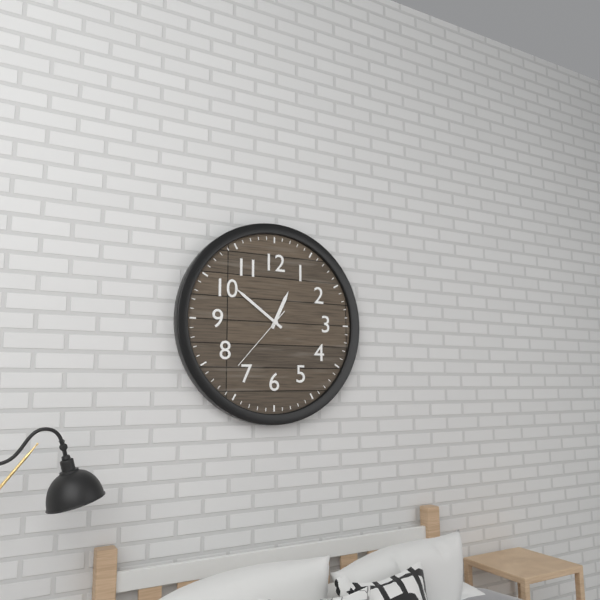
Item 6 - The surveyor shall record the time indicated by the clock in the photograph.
12:51:37
